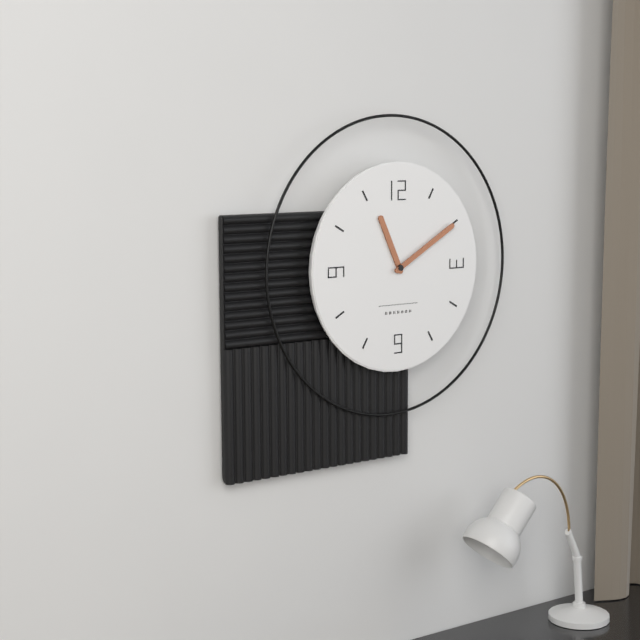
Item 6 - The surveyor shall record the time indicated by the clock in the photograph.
11:10
